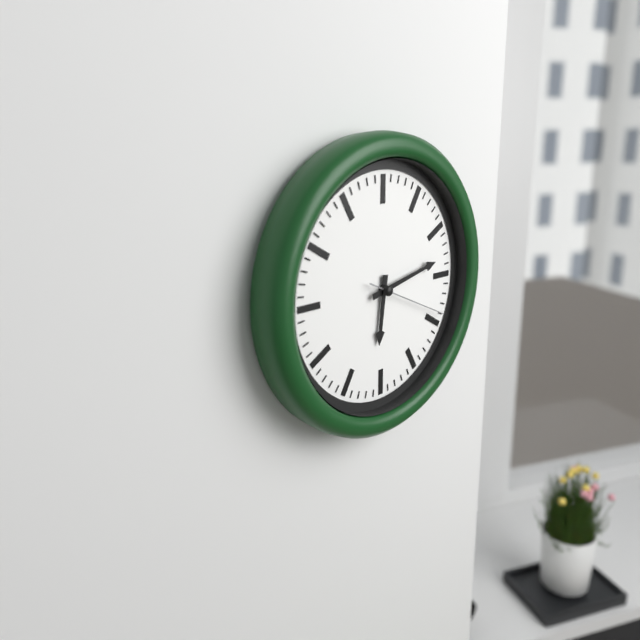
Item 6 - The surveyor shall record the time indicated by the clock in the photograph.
6:13:19
